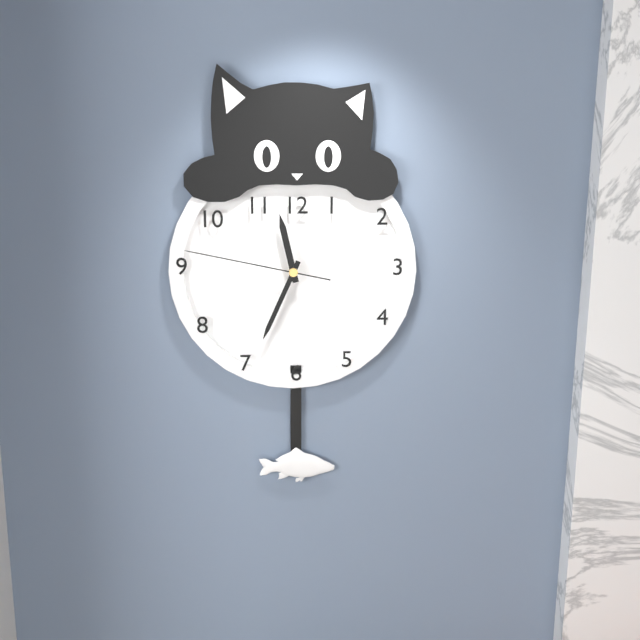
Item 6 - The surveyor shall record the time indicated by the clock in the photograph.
11:34:47
